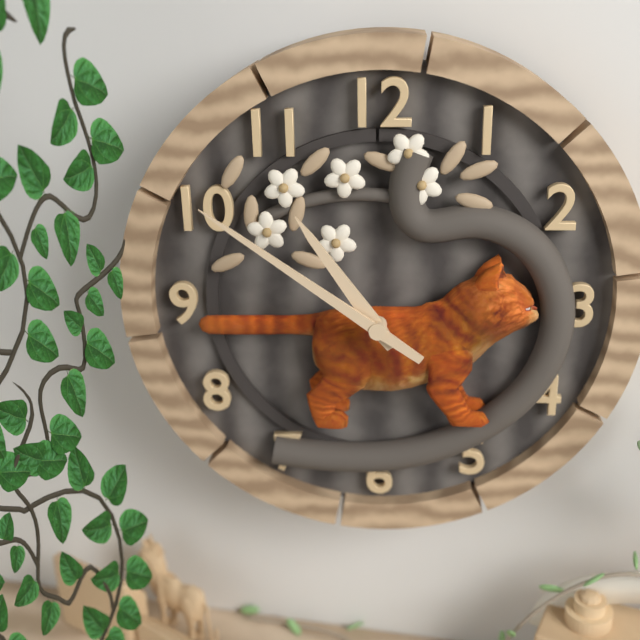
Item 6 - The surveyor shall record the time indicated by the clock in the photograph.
10:51
